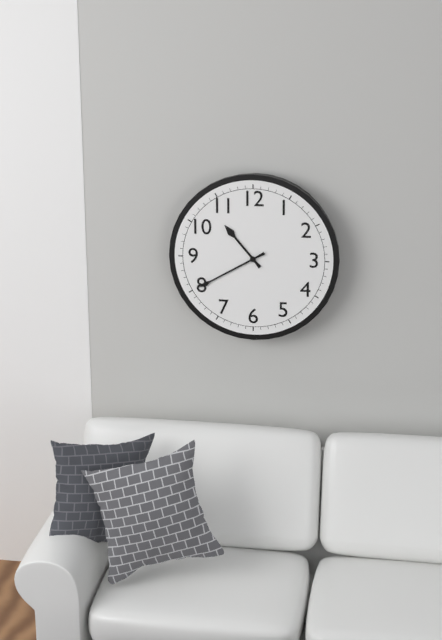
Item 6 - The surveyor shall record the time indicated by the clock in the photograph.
10:40
